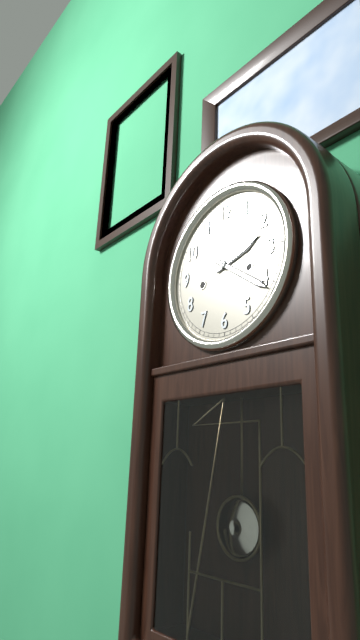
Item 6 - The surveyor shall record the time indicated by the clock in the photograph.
2:21
